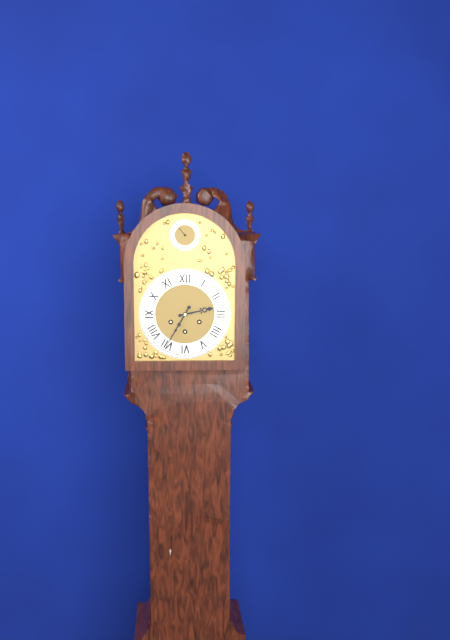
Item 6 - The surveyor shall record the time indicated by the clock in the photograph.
2:35
